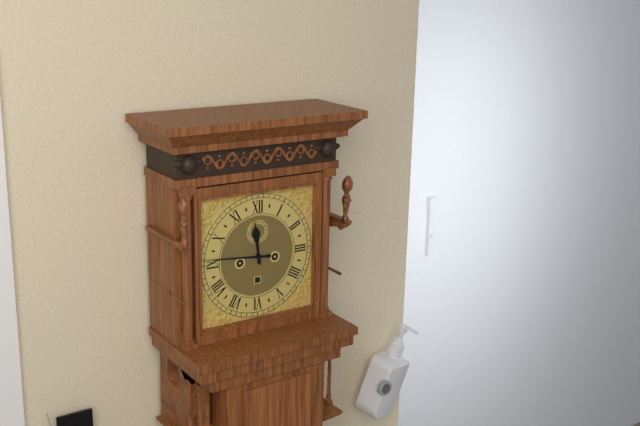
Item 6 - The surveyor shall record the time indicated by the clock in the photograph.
11:46
